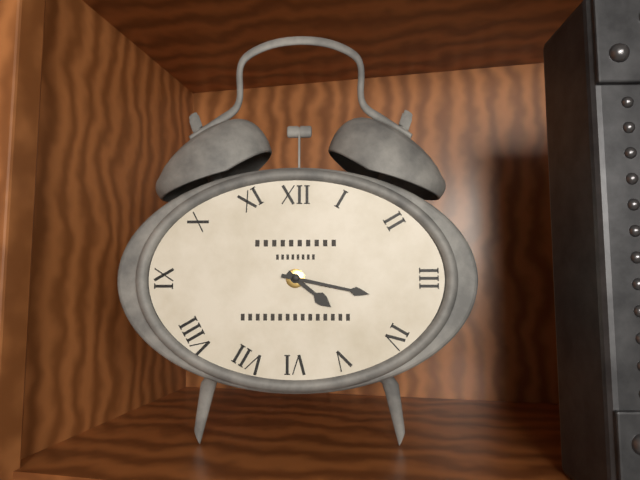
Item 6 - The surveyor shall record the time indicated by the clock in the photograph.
4:17
